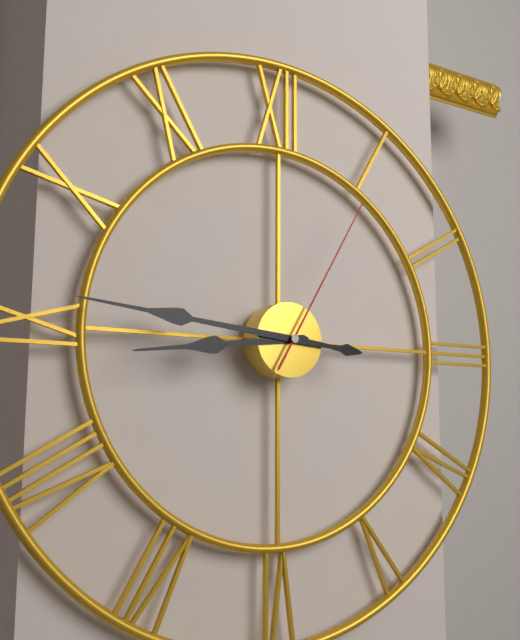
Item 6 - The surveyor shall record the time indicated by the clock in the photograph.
8:46:05
